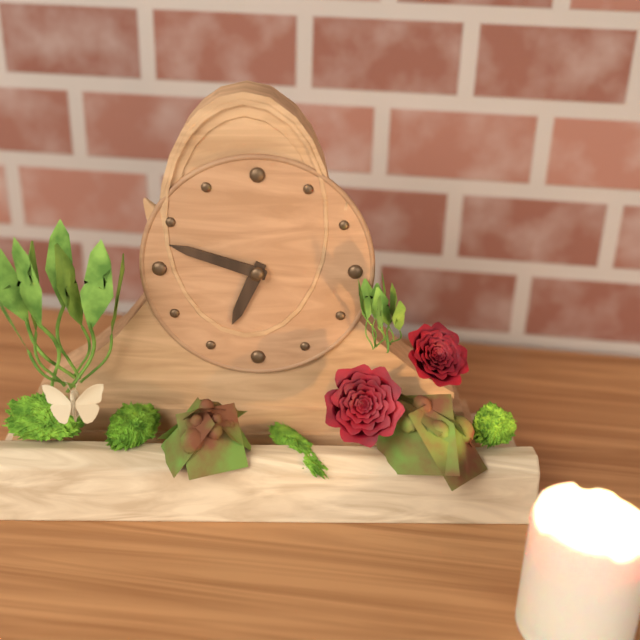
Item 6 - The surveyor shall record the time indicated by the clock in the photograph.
6:48
